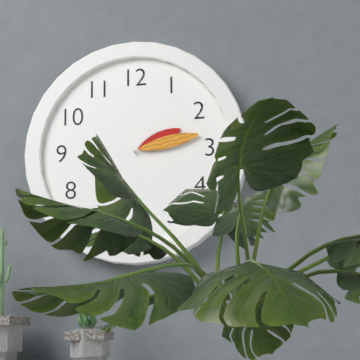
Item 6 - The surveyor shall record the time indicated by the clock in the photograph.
2:13
